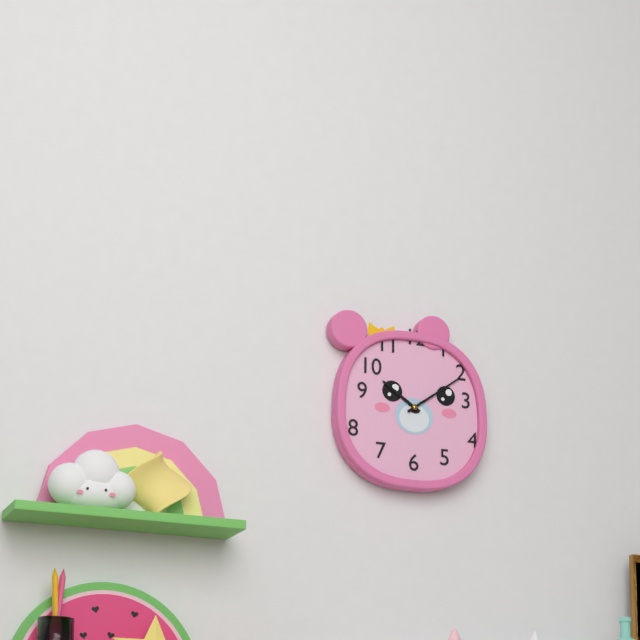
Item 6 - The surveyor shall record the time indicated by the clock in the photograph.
10:09
